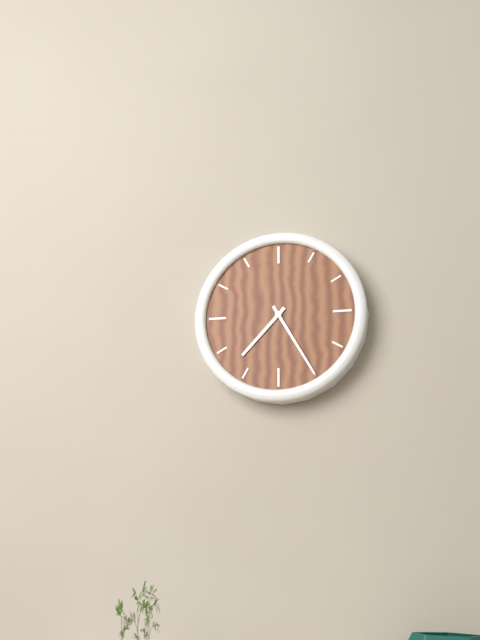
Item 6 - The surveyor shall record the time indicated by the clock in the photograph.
7:25
